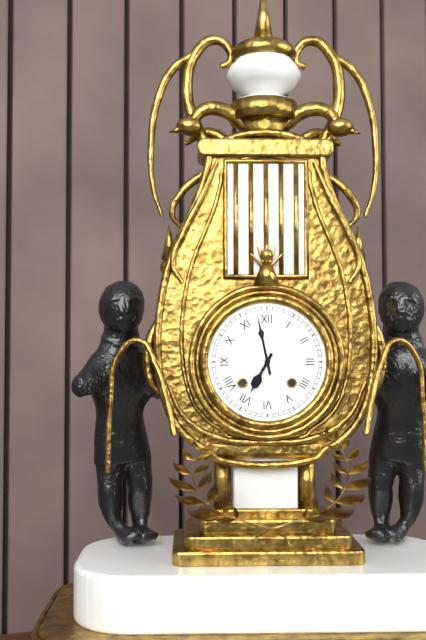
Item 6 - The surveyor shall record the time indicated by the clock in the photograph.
6:58
